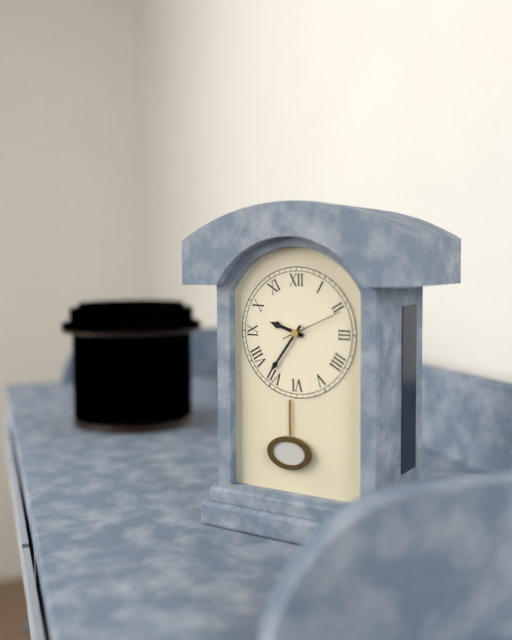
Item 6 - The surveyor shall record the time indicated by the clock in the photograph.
9:36
